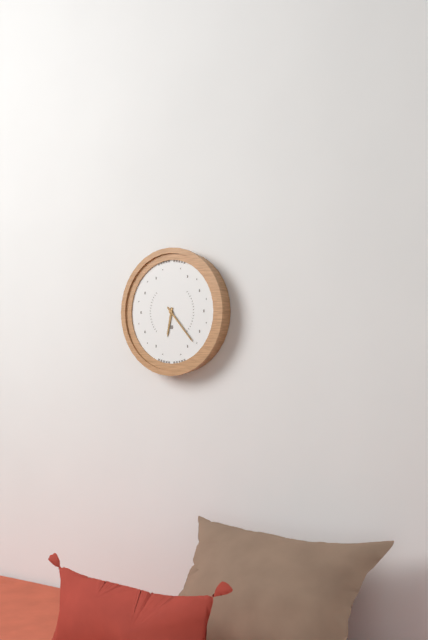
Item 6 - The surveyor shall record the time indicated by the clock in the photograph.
6:23
